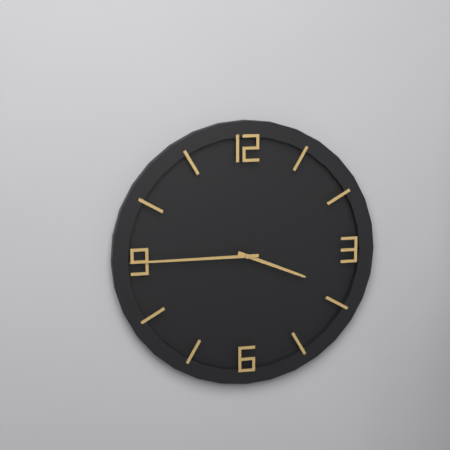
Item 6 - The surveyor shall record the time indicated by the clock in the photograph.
3:45
